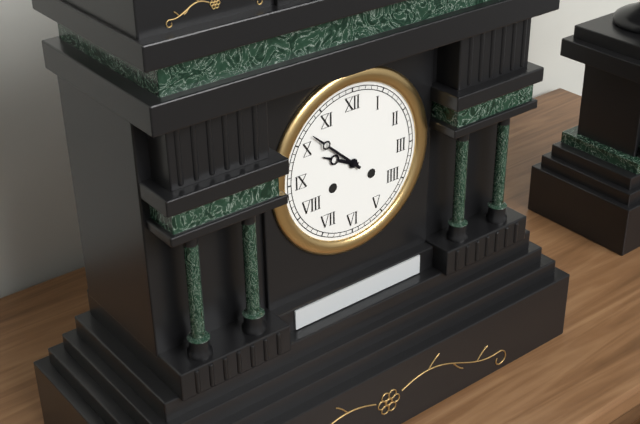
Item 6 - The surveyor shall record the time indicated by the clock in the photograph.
9:52
